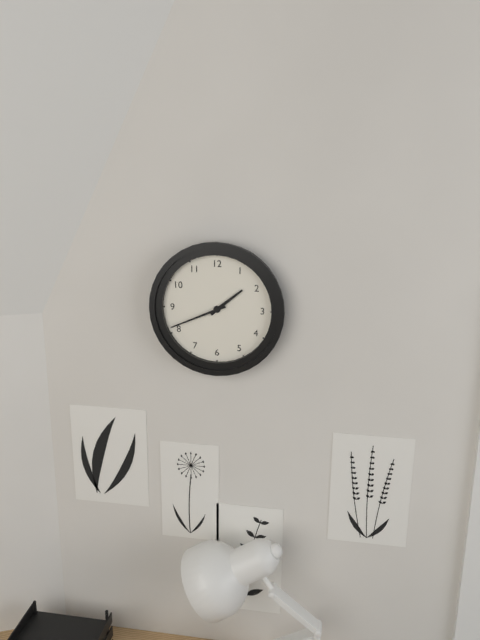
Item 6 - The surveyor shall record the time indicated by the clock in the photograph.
1:41
